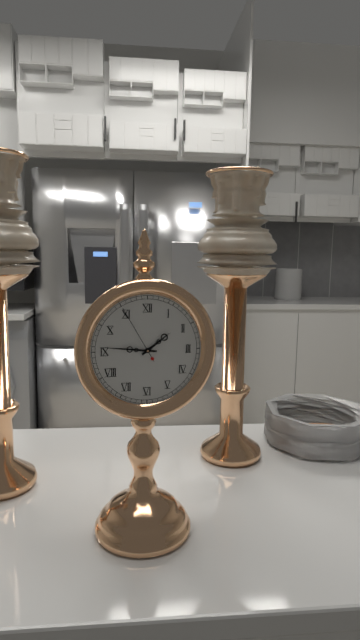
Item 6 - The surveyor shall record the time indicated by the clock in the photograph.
1:46:55
